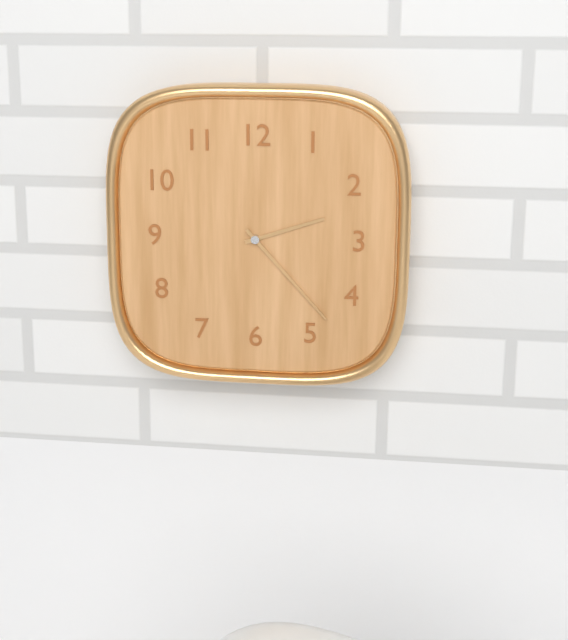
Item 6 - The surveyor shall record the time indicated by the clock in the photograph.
2:23
